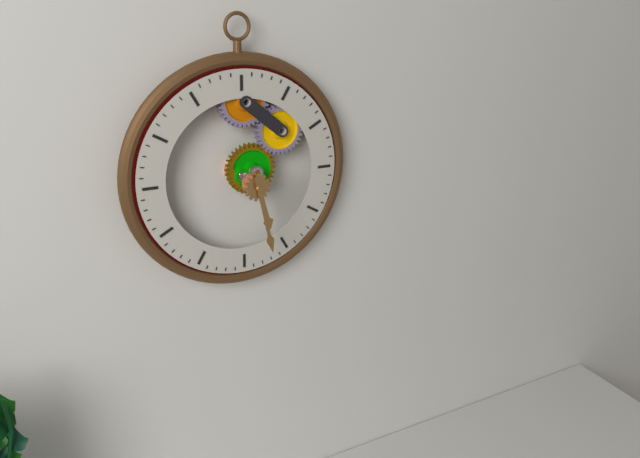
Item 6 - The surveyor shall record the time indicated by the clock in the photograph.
5:28
